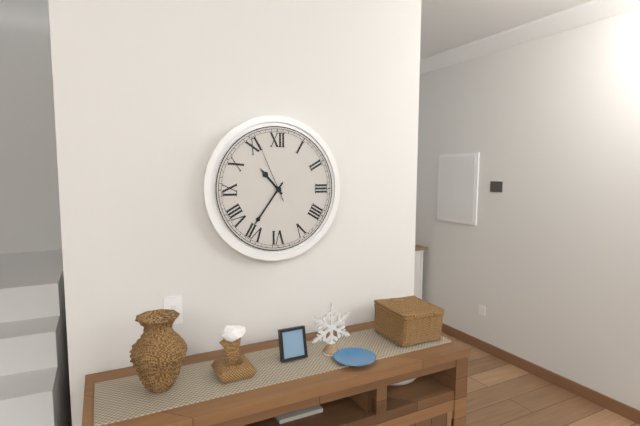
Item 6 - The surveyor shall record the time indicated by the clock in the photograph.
10:36:56
